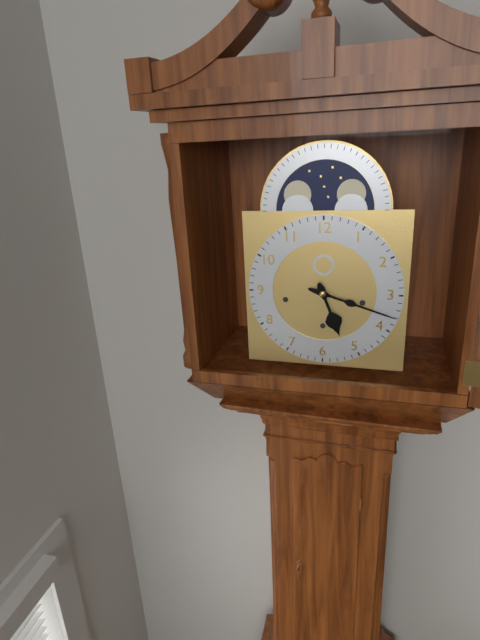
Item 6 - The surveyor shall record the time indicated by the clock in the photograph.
5:18
